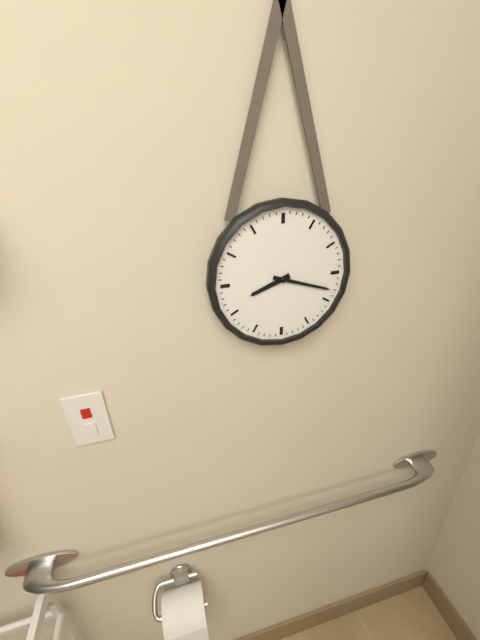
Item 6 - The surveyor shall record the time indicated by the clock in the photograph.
8:18
